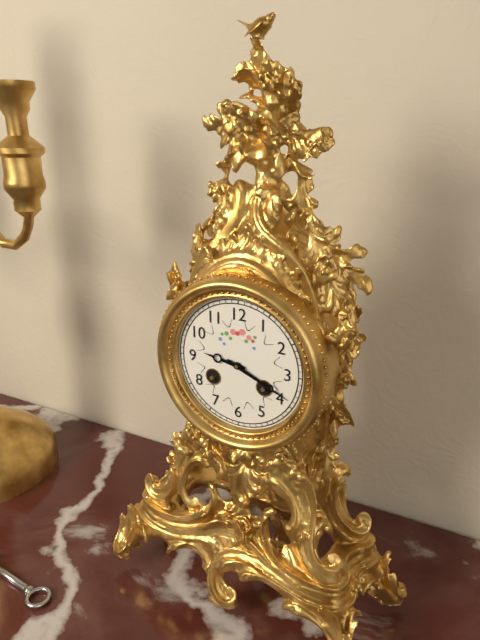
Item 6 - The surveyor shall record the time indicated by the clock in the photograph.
9:19
